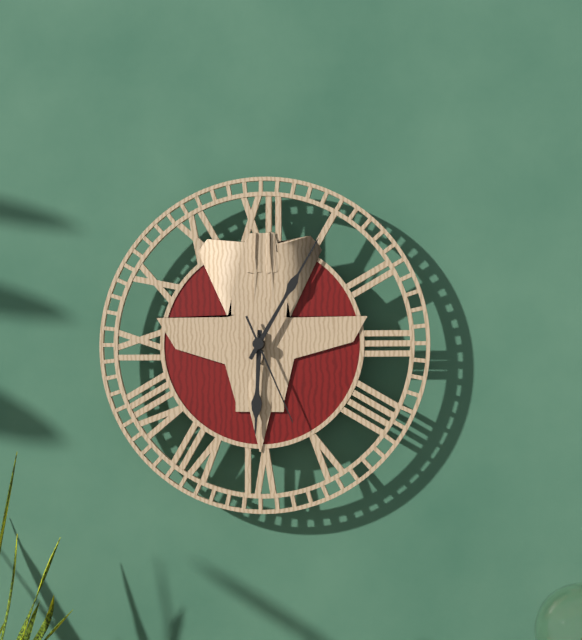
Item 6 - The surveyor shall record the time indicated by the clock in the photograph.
6:05:26
